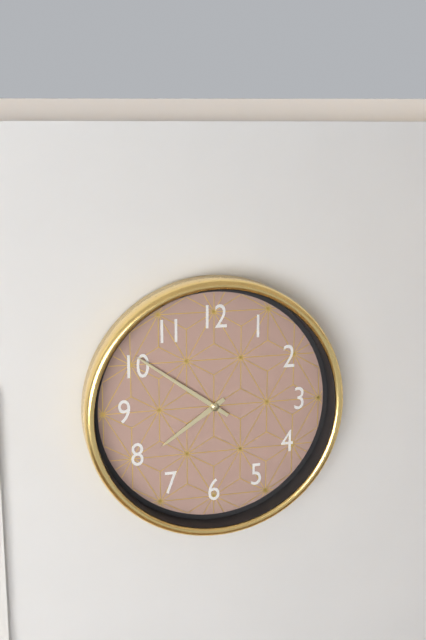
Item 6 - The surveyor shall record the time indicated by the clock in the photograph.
7:51
